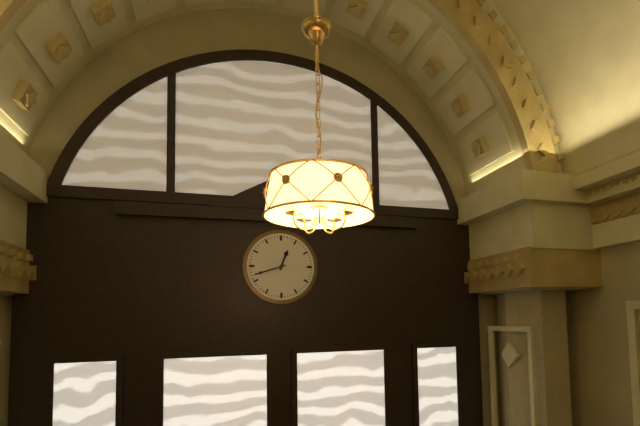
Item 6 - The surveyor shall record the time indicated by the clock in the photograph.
12:42
